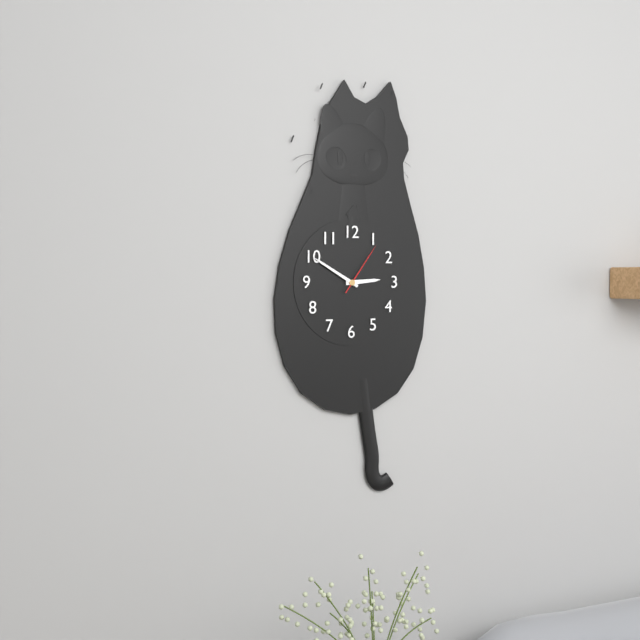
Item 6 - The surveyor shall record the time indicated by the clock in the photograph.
2:50:06
